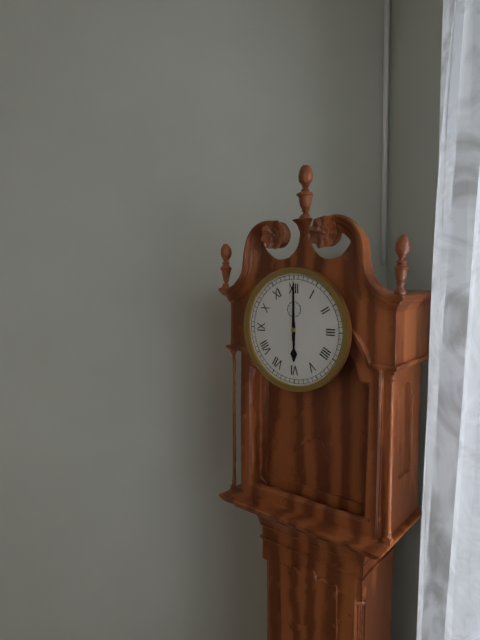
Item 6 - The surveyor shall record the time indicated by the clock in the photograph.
6:00
